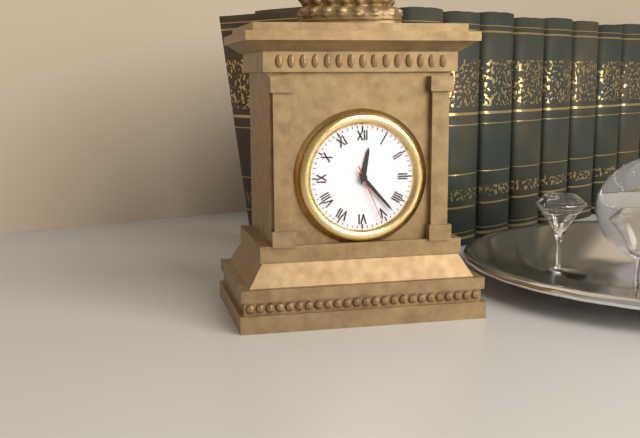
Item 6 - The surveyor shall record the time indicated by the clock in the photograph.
12:23:26
